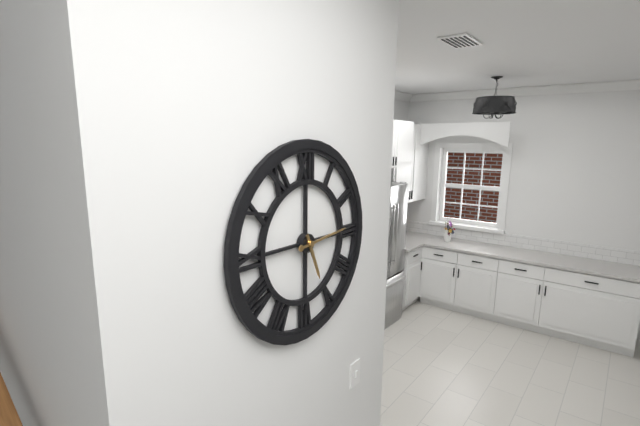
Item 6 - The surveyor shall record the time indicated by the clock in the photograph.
5:14
